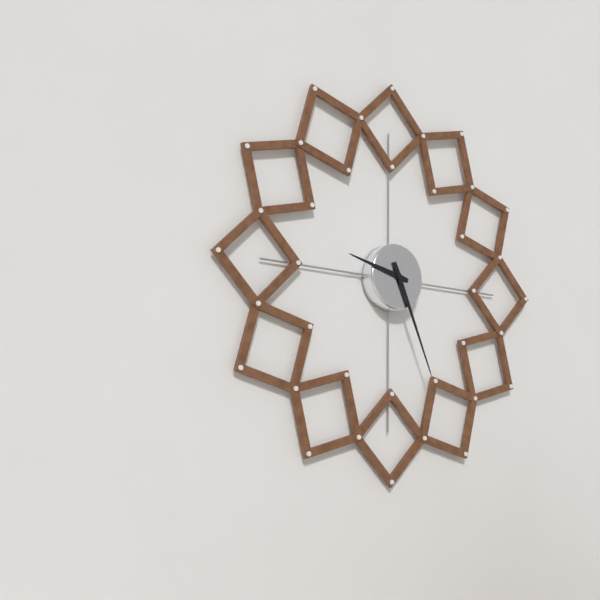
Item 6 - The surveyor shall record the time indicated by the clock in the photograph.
9:26
